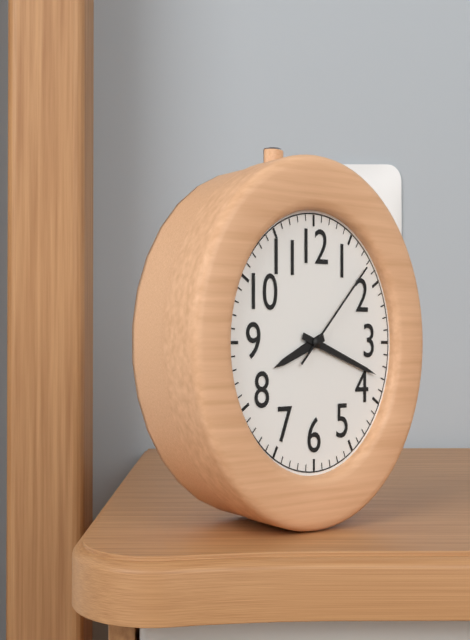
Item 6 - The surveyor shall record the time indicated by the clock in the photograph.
8:18:08
